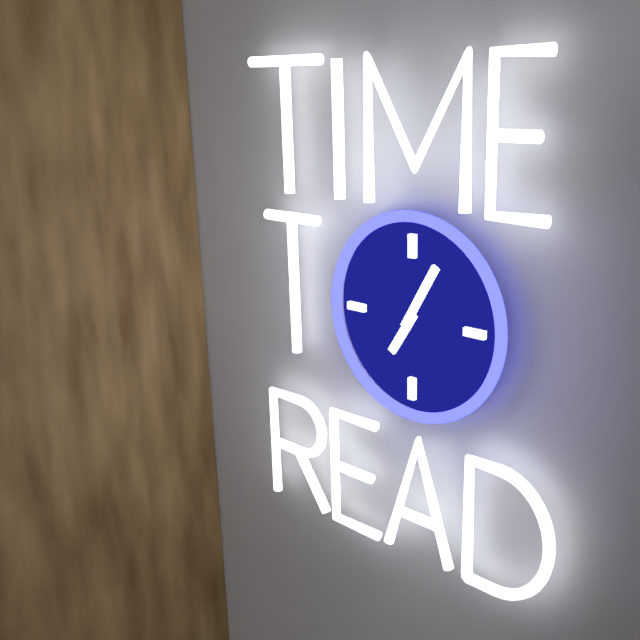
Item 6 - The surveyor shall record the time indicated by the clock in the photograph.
7:05
